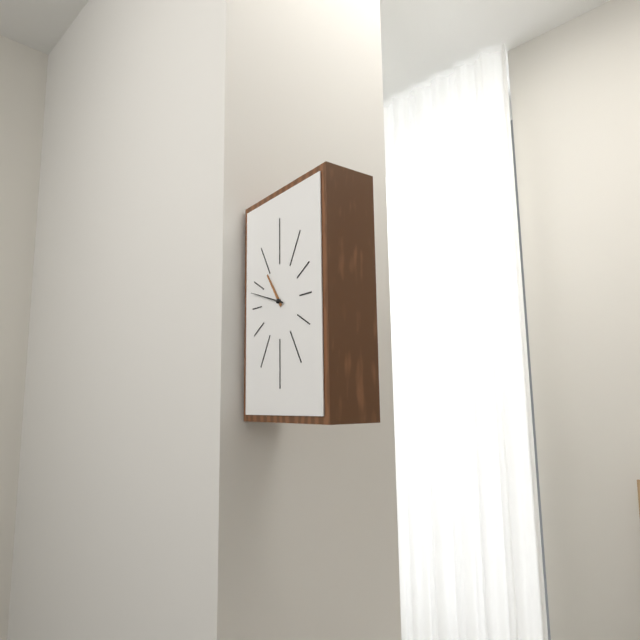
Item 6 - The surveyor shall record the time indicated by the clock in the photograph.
10:48
